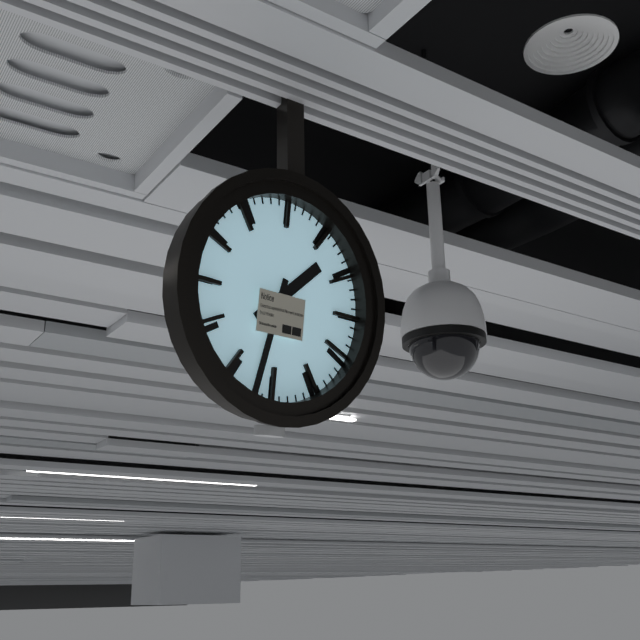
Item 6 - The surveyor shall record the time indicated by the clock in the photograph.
1:32
